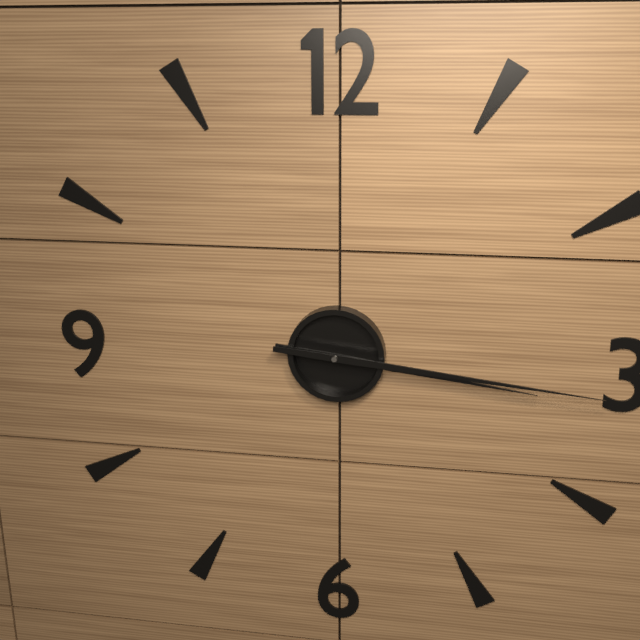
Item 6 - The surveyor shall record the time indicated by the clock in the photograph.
3:16
